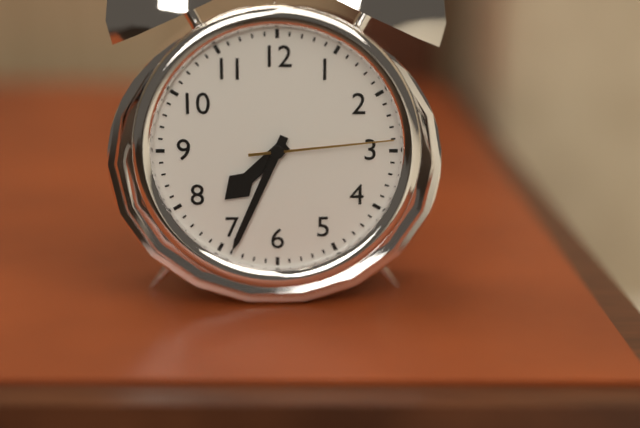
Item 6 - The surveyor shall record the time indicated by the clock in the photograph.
7:34:14
